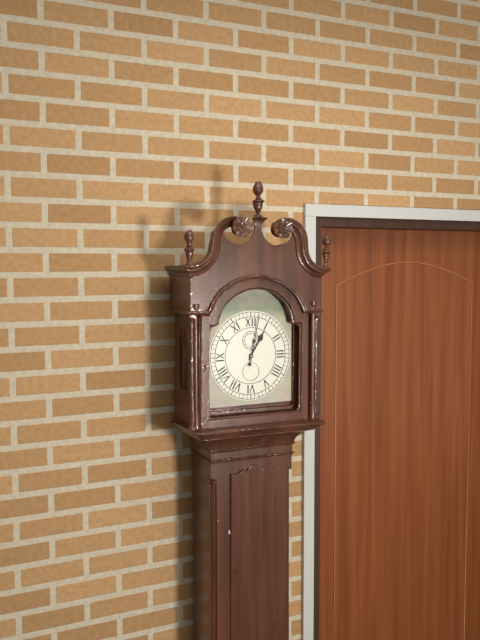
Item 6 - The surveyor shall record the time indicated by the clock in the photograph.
1:02
